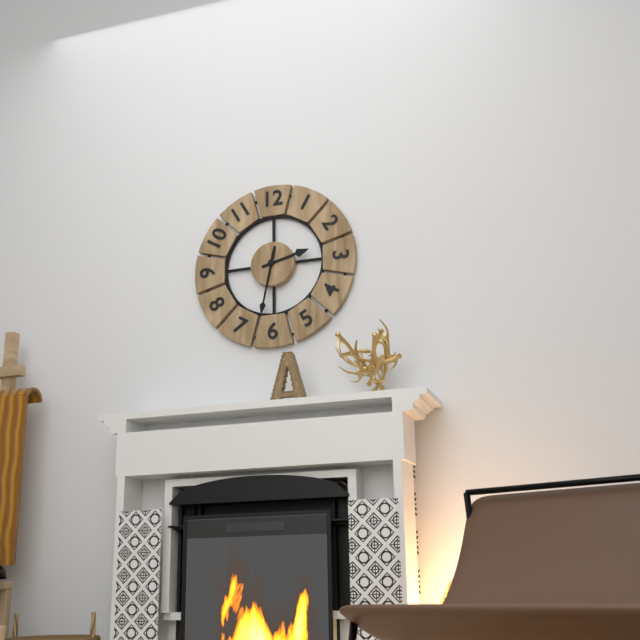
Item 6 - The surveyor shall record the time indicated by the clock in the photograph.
2:32
